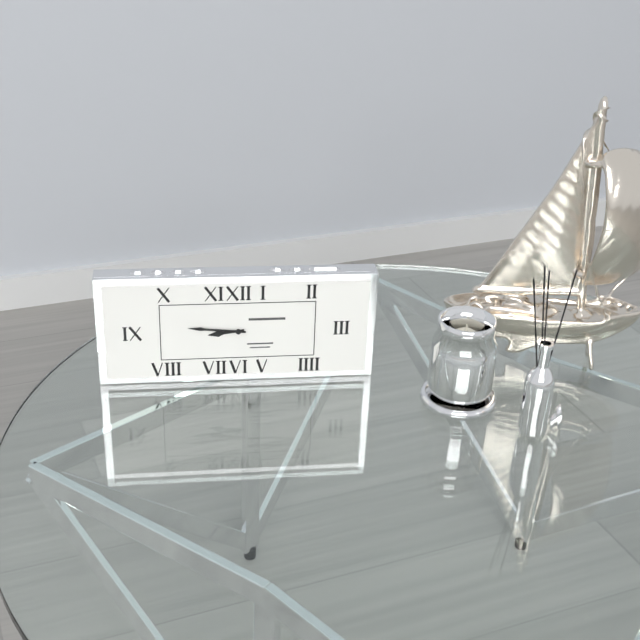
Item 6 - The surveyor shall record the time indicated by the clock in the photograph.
8:46
